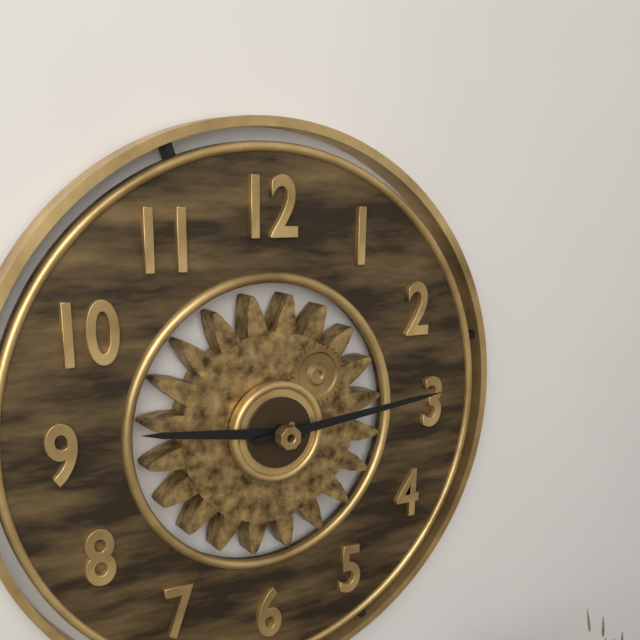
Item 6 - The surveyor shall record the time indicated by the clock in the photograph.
9:14
